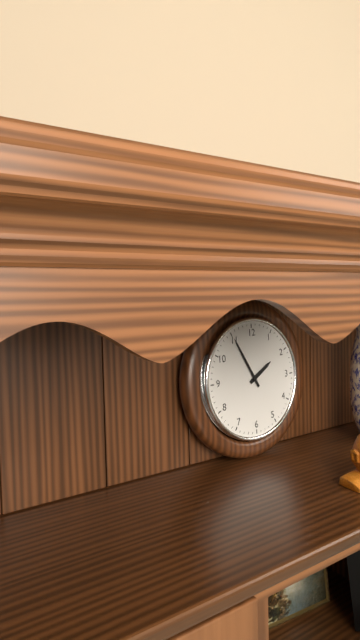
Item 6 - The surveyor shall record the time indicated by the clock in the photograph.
1:55
